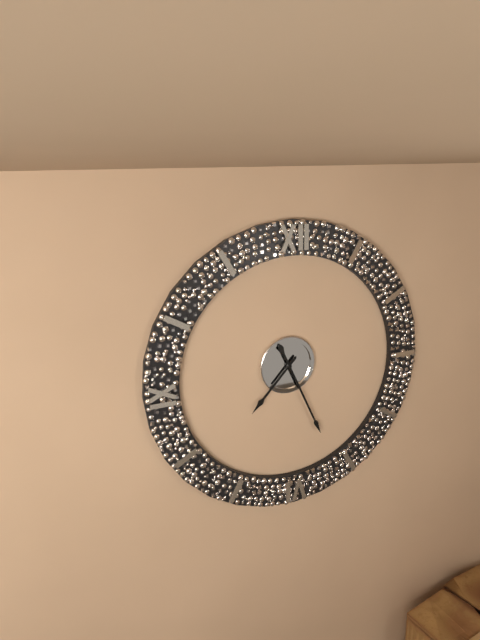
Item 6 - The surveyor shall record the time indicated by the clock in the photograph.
7:26
